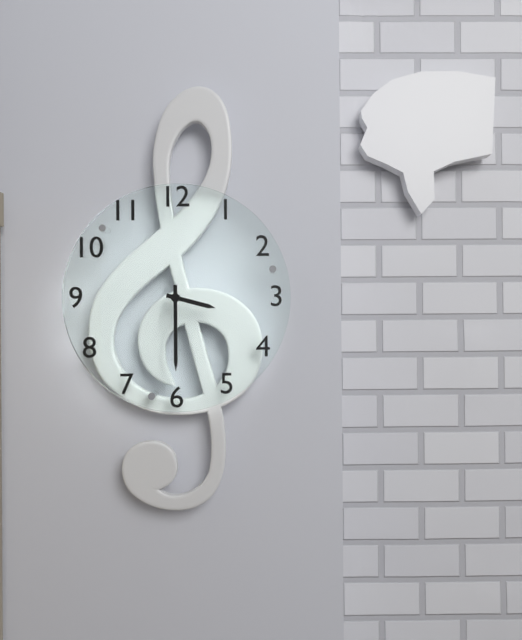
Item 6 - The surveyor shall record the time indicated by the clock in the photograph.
3:30
